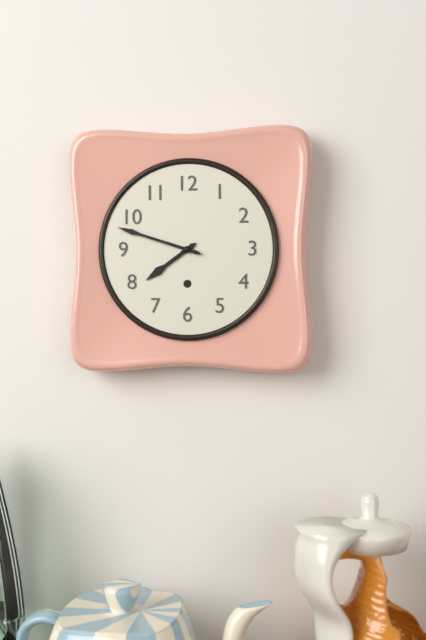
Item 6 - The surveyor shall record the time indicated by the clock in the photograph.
7:48
